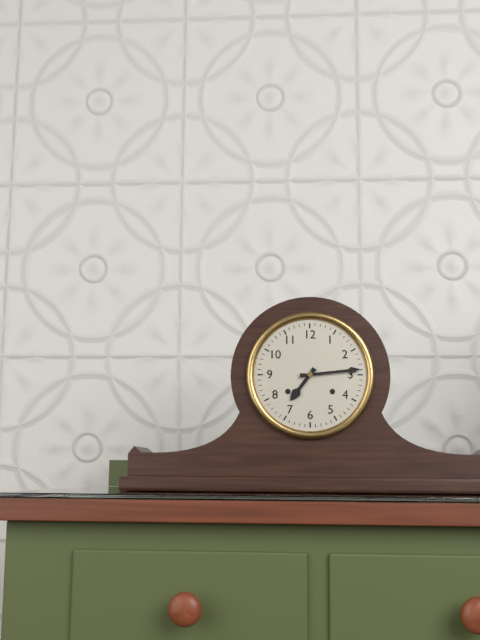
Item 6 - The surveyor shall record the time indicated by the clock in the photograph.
7:14
